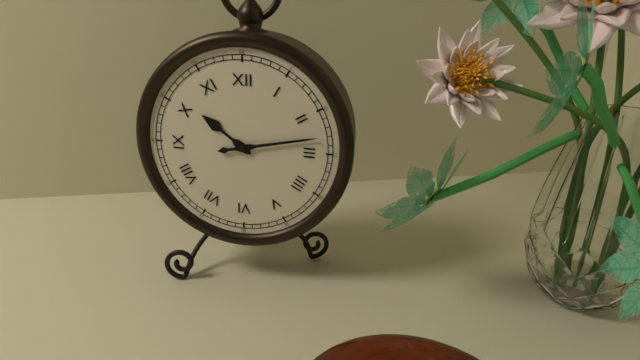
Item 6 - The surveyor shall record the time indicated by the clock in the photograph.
10:13
